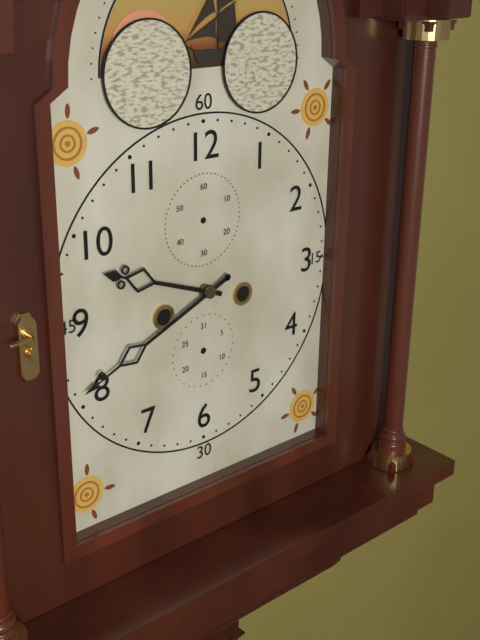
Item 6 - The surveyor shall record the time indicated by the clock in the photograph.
9:41
